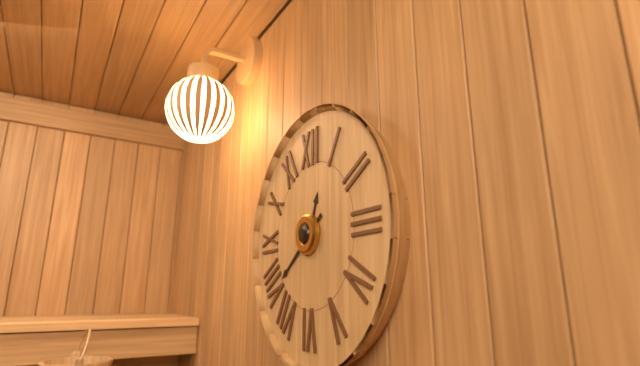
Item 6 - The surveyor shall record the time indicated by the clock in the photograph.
12:39
